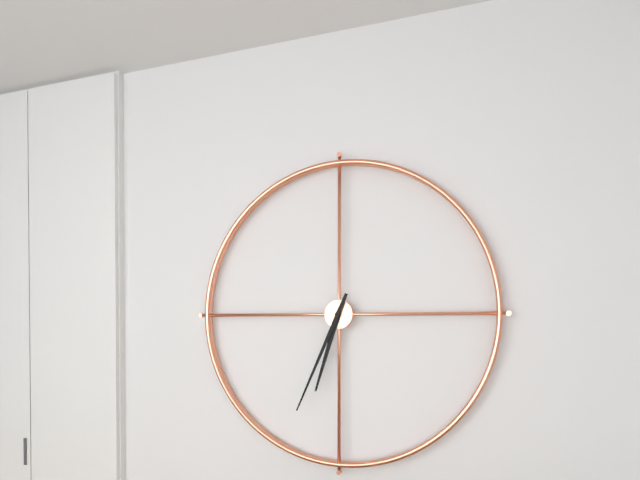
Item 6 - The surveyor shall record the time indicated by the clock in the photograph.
6:34
